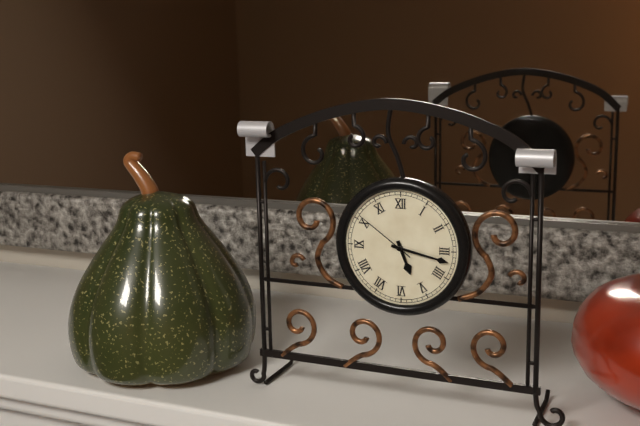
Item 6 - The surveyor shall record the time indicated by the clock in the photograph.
5:17:51
